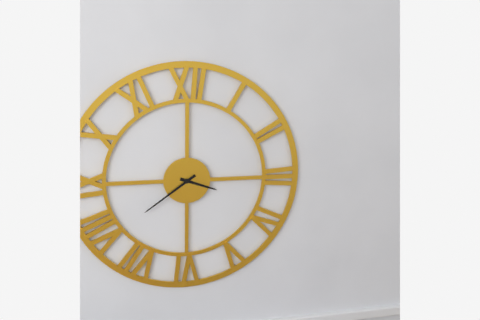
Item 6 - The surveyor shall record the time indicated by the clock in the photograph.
3:39
